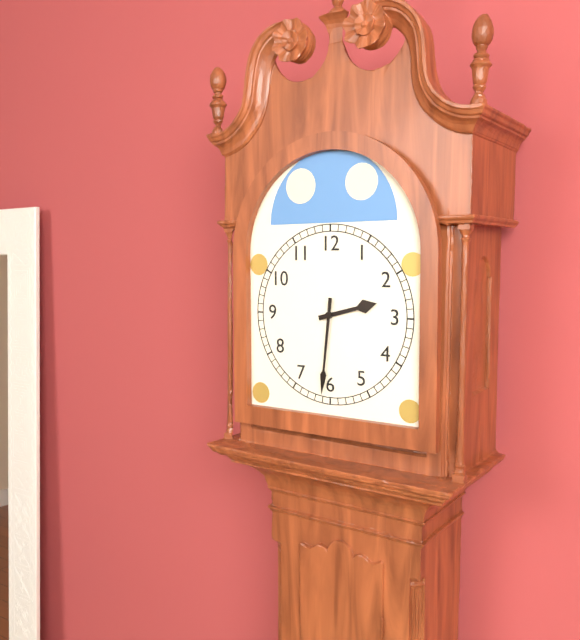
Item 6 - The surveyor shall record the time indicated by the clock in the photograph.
2:31
